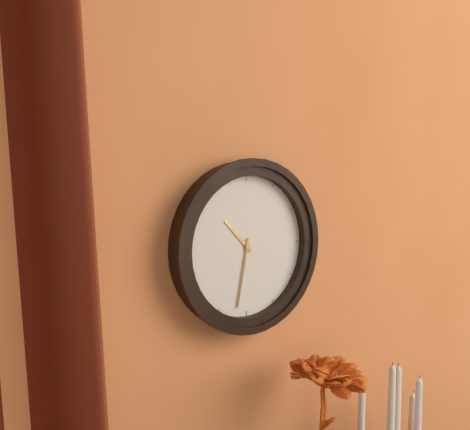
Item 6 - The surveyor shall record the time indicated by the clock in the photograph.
10:32
